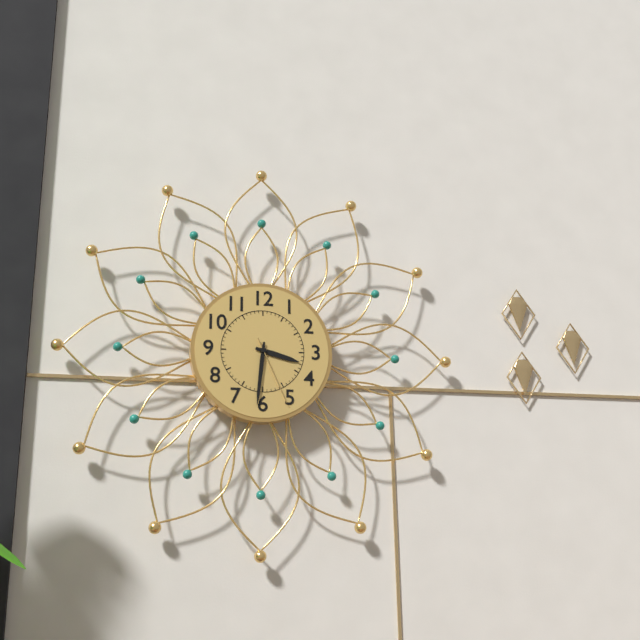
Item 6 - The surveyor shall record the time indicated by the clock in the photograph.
3:31:26
